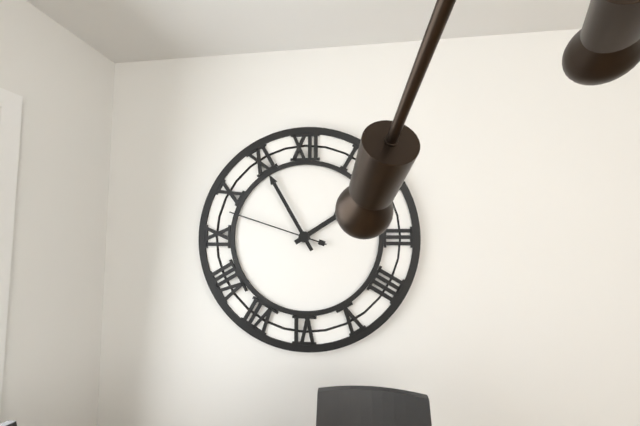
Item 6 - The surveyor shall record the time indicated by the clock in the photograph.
1:55:48
